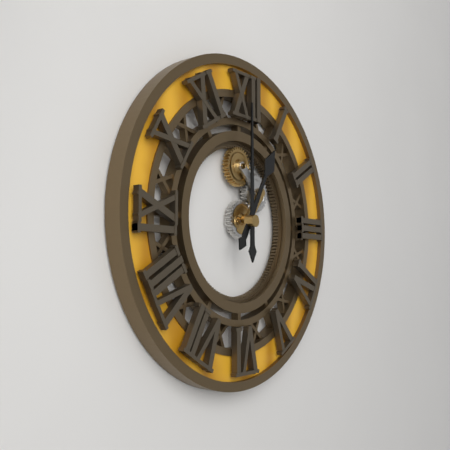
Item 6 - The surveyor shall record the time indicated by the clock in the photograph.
1:00
